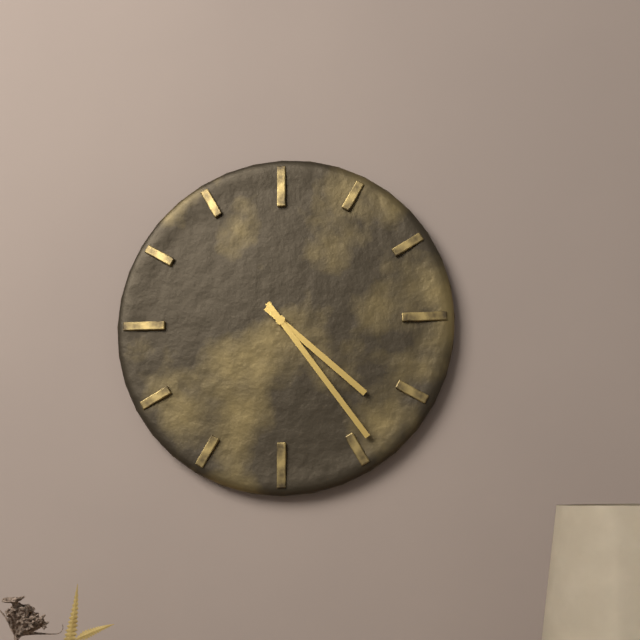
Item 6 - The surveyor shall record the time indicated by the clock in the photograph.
4:24
